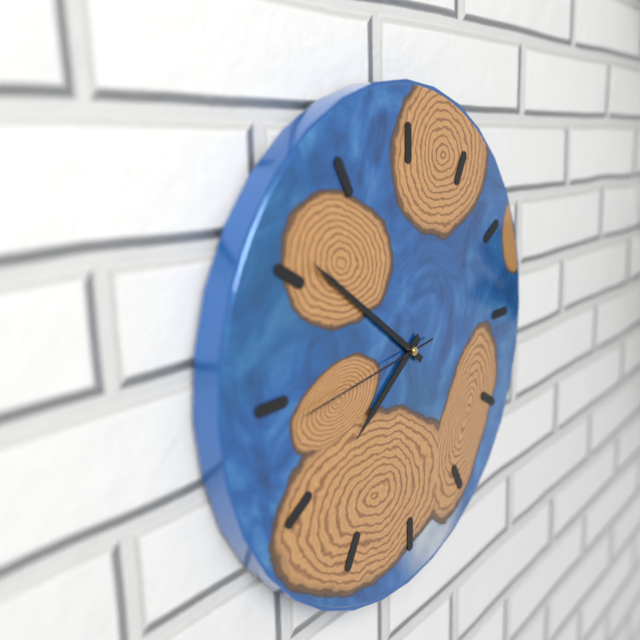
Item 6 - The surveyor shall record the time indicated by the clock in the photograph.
7:51:44
